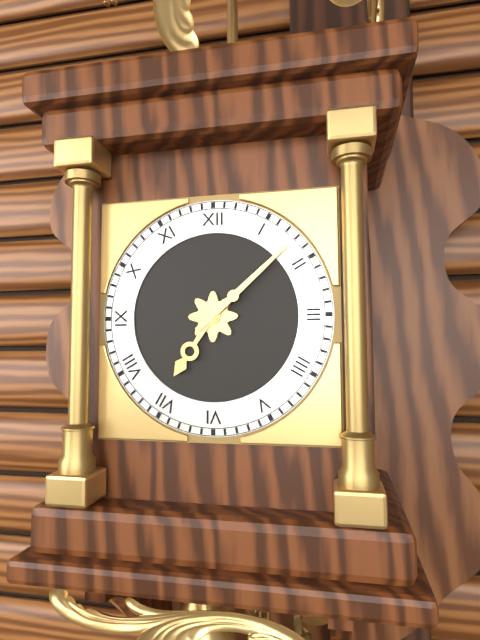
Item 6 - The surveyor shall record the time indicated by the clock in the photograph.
7:08
